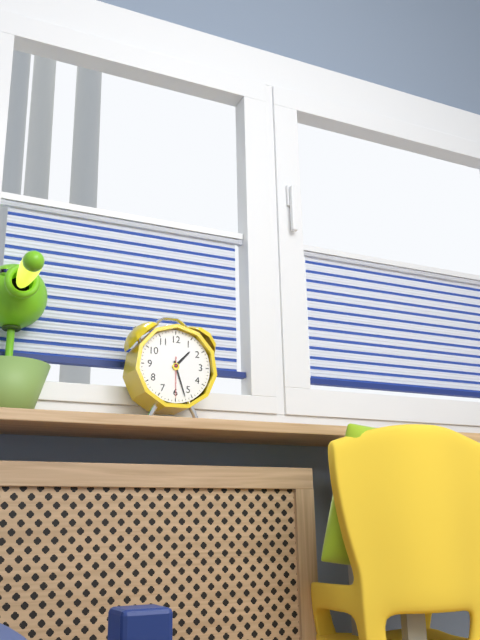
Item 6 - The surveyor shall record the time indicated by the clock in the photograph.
1:27
